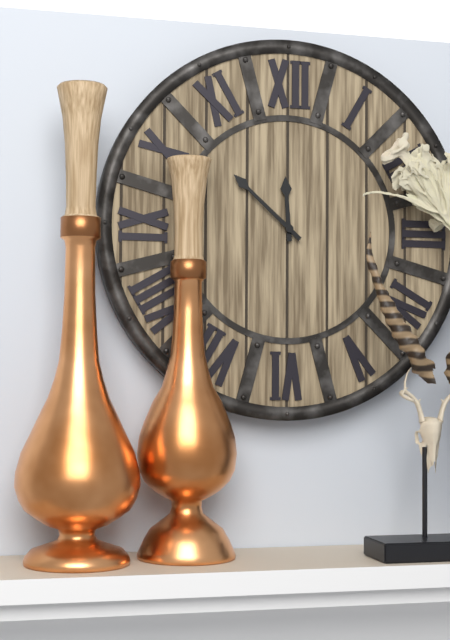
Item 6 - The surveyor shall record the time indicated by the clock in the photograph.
11:52
